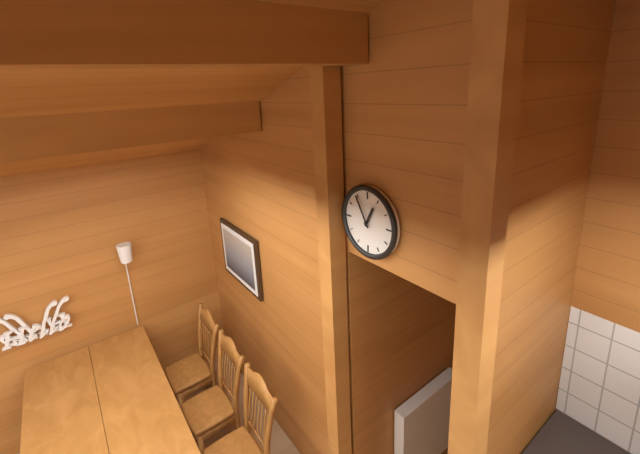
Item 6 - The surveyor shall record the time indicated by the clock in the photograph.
12:55
